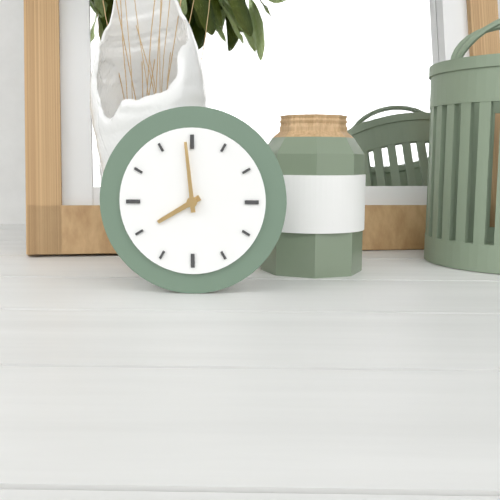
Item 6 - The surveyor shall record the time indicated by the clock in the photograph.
7:59
